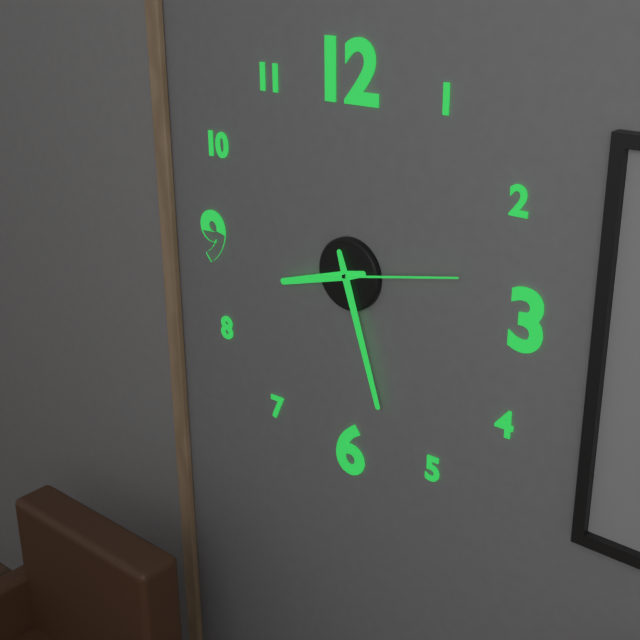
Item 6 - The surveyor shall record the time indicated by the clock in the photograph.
8:27:13
